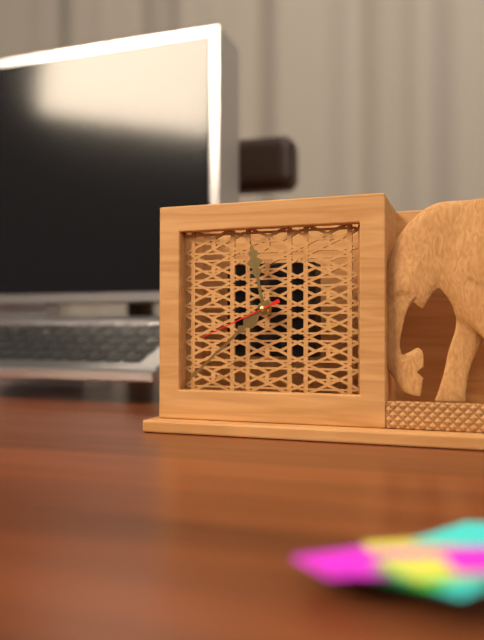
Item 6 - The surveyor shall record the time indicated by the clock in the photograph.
11:38:41
